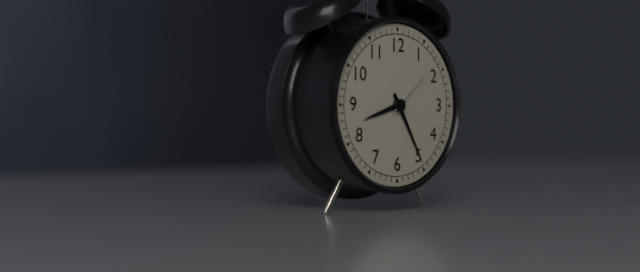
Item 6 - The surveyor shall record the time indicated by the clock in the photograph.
8:25
